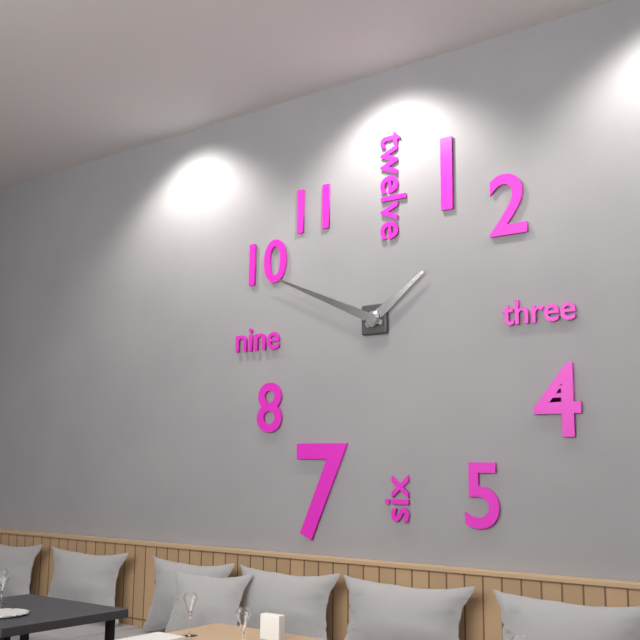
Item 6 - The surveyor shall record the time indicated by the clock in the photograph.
1:49
